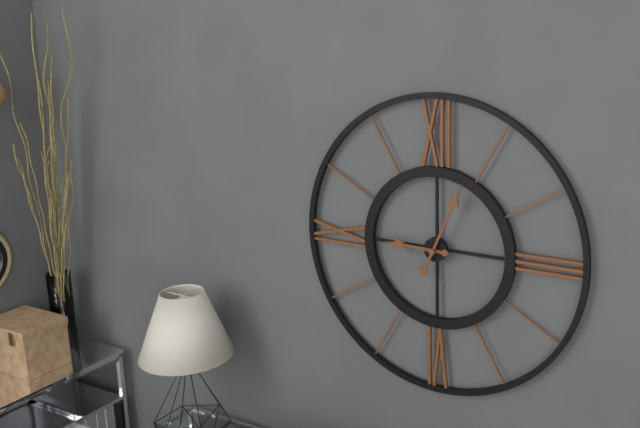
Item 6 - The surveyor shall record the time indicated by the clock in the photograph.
9:04
